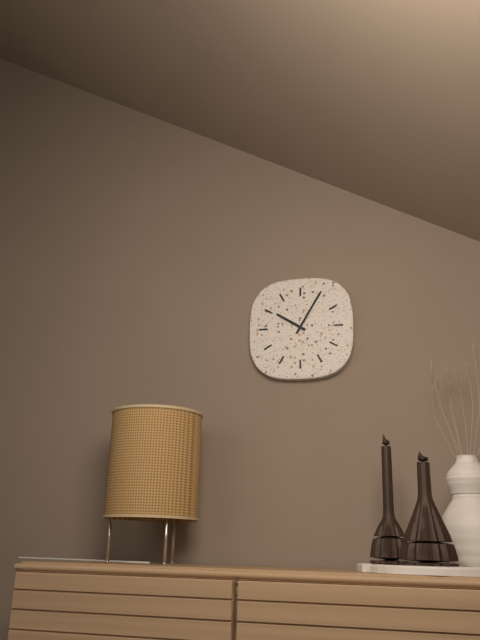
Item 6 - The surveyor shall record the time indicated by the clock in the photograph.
10:05
